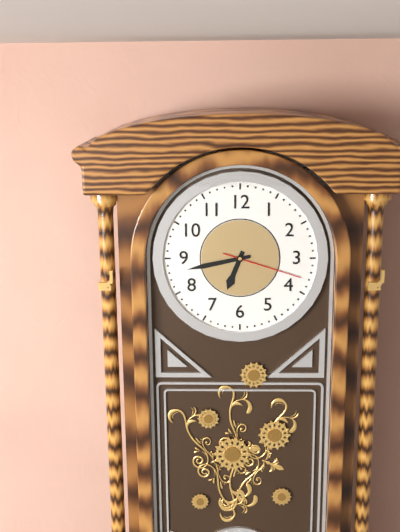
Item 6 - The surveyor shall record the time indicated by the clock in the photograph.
6:43:18
